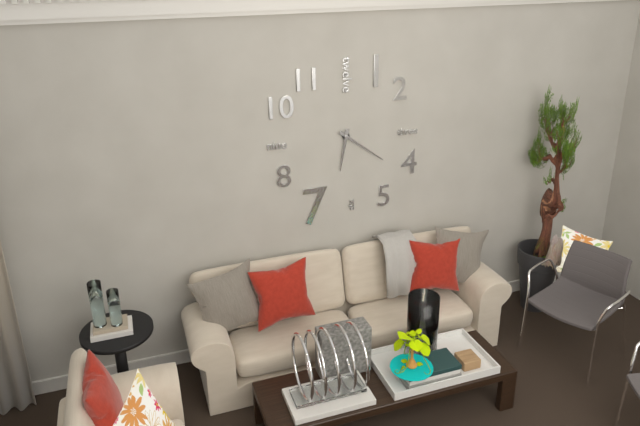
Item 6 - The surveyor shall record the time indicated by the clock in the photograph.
6:21
